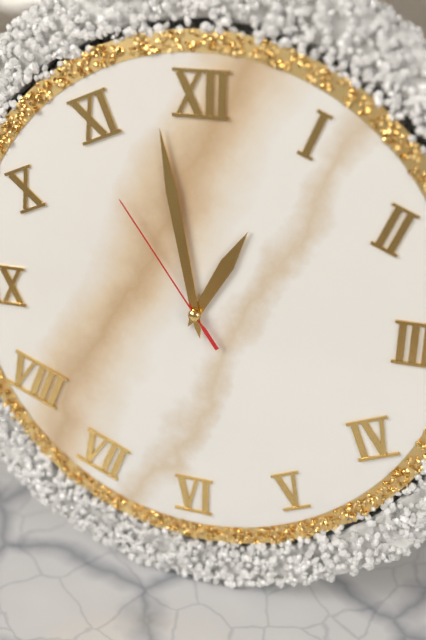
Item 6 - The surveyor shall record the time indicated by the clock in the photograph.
12:58:54
